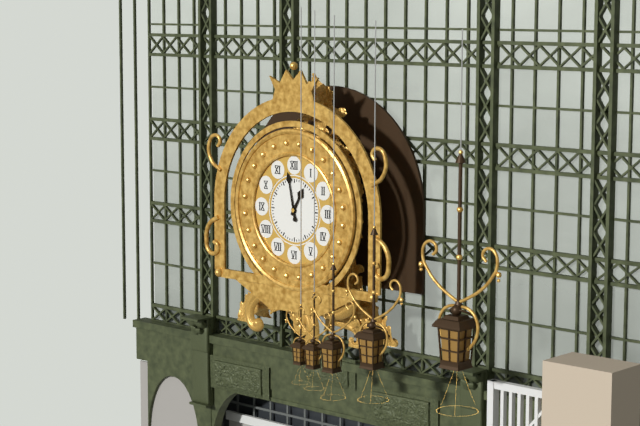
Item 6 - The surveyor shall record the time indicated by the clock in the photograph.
12:58
